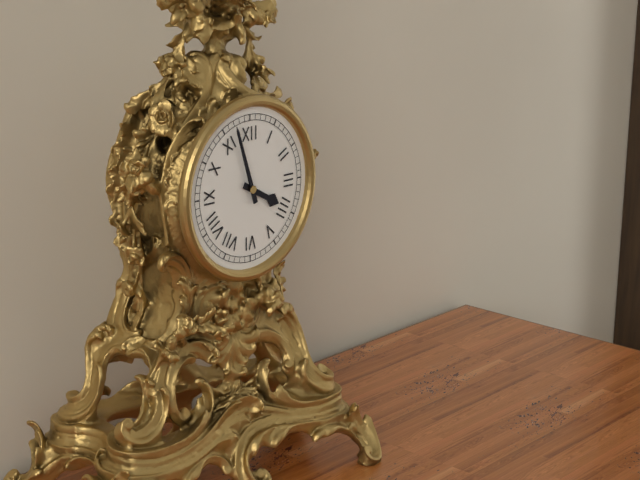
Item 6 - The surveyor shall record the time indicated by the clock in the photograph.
3:57
